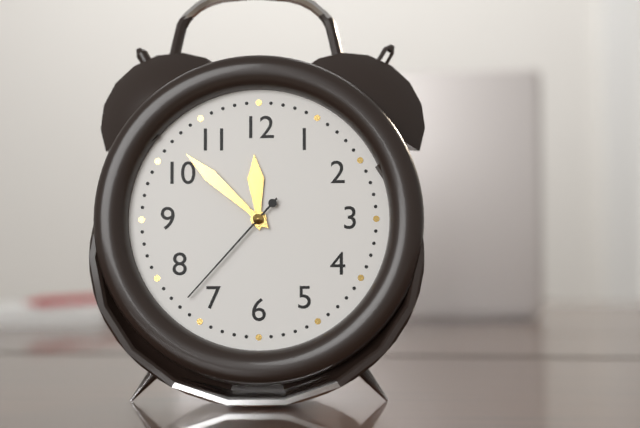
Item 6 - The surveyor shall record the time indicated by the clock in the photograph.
11:52:37
